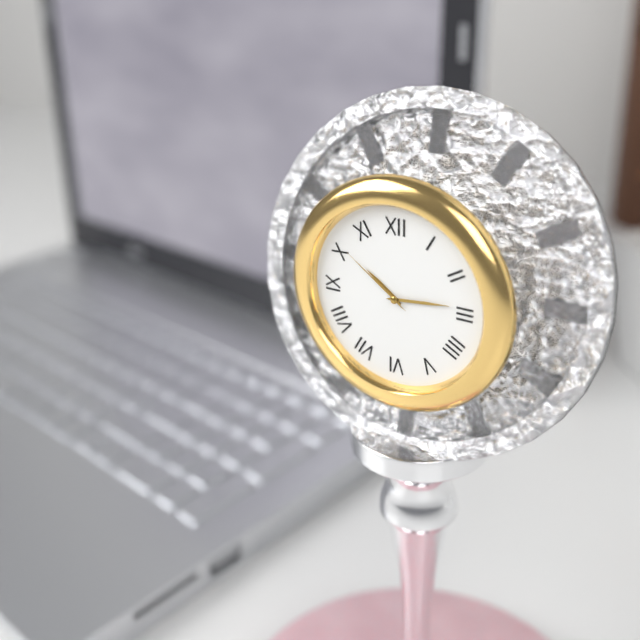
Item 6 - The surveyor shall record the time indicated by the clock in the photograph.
10:14:51
